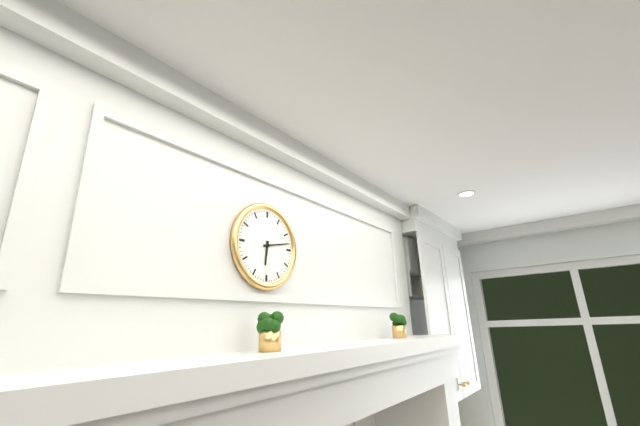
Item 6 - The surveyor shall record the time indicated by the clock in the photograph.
6:13
